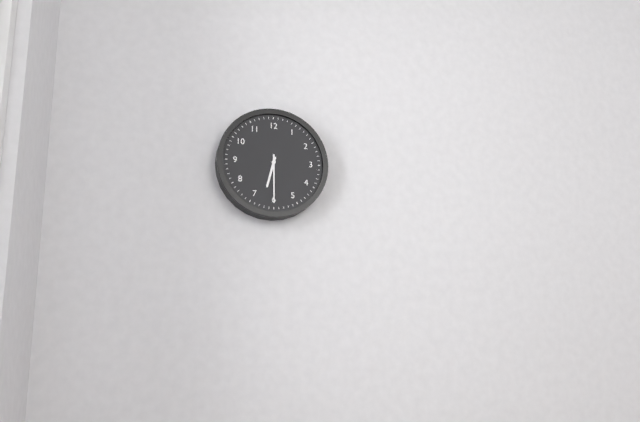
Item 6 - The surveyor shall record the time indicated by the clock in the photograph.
6:30
